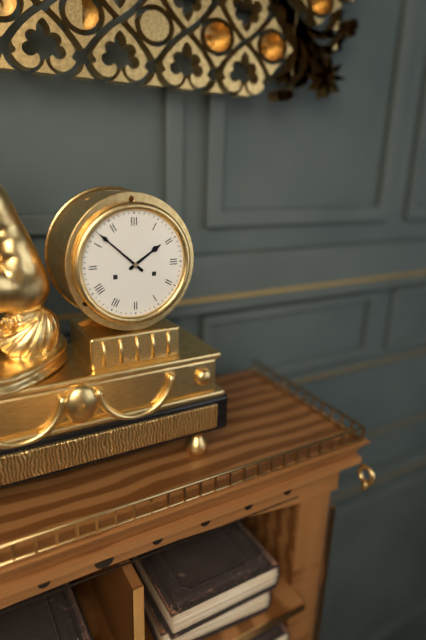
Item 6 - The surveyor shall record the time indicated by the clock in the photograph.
1:52
